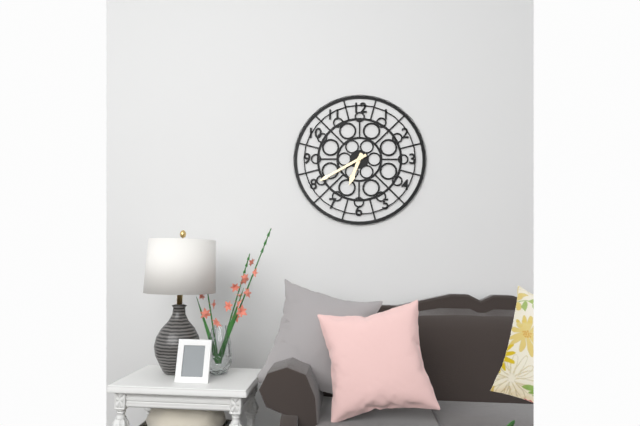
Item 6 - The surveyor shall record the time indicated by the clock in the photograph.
6:40
